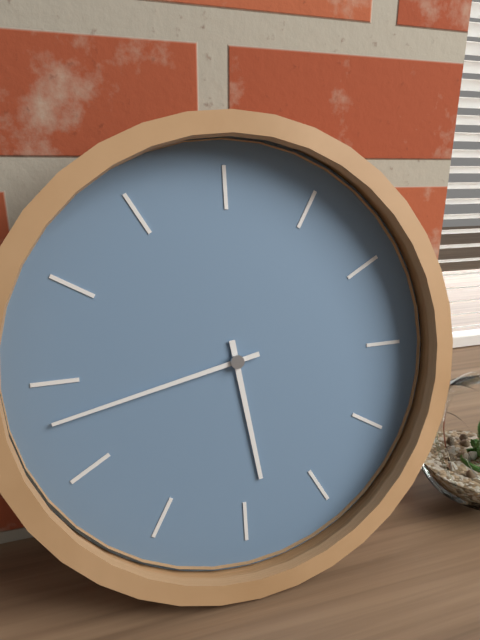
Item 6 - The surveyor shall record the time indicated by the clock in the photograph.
5:43
